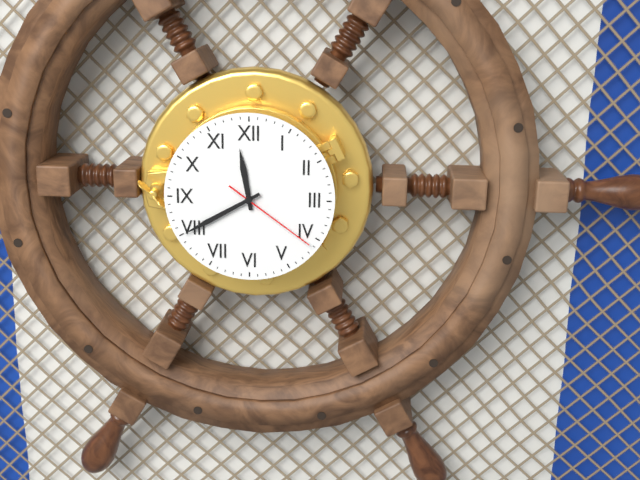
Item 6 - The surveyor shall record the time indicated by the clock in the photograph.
11:40:21
